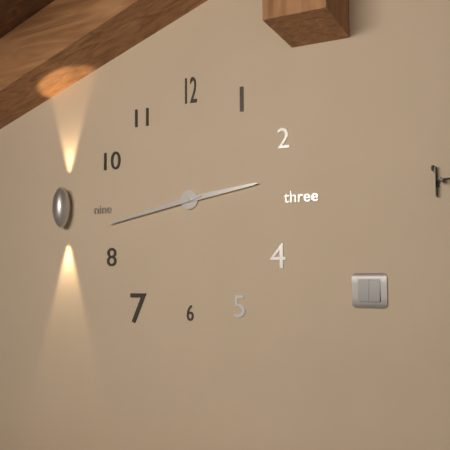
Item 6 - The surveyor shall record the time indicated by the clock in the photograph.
2:43
